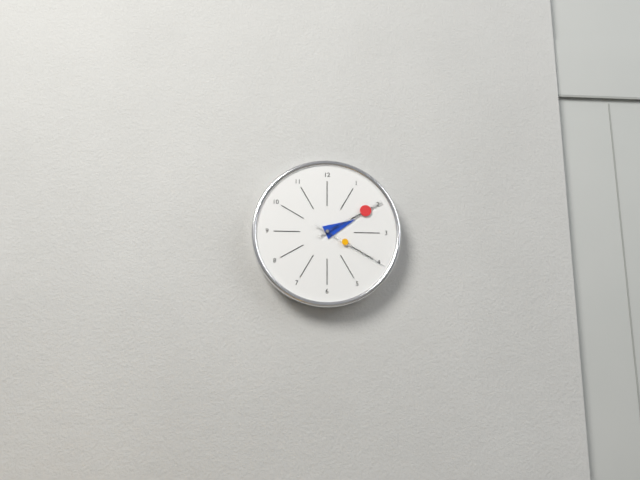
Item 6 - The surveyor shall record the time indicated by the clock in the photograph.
2:10:20
